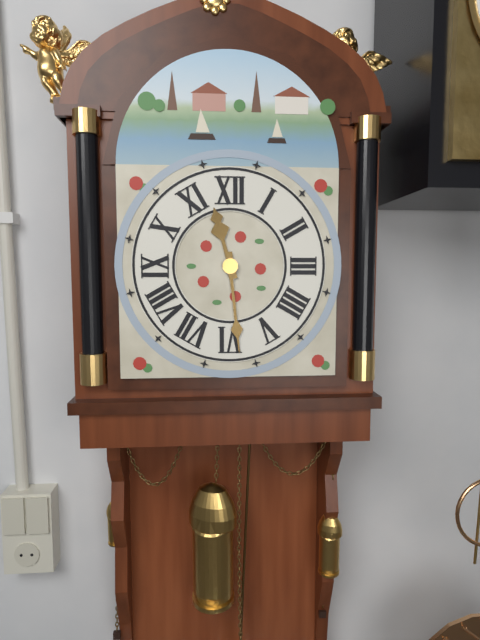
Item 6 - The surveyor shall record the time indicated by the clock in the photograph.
11:29
